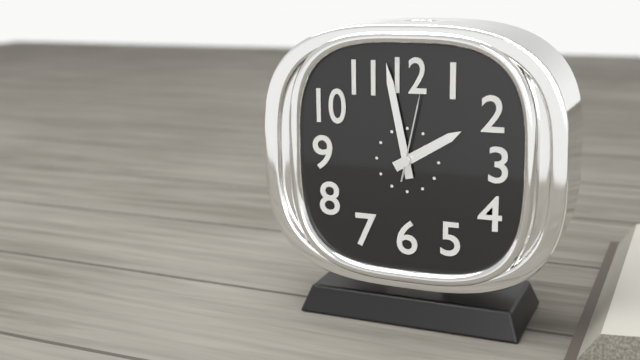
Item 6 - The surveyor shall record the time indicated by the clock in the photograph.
1:58:02
